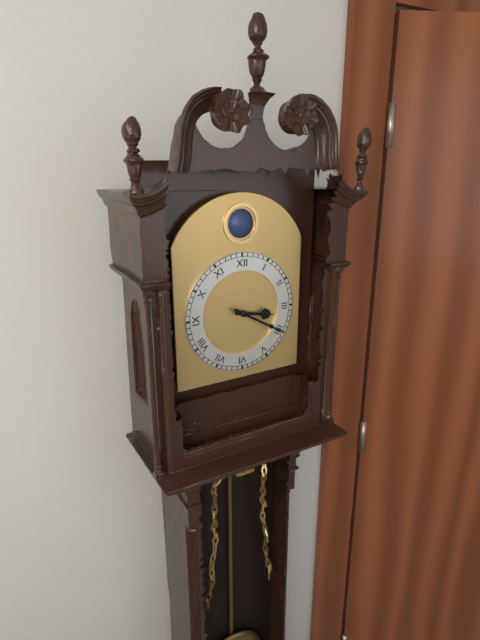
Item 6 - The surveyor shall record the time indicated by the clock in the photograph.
3:20
